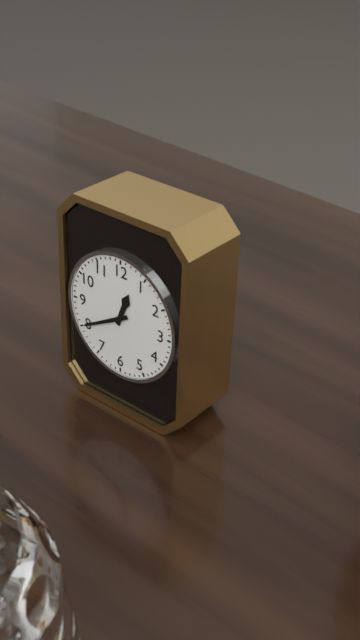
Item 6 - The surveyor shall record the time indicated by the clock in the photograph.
12:40
